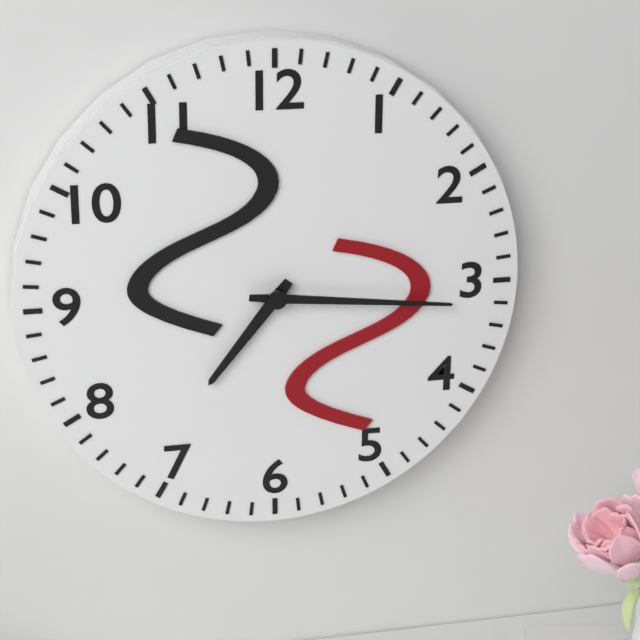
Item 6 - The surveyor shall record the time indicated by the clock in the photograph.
7:16
